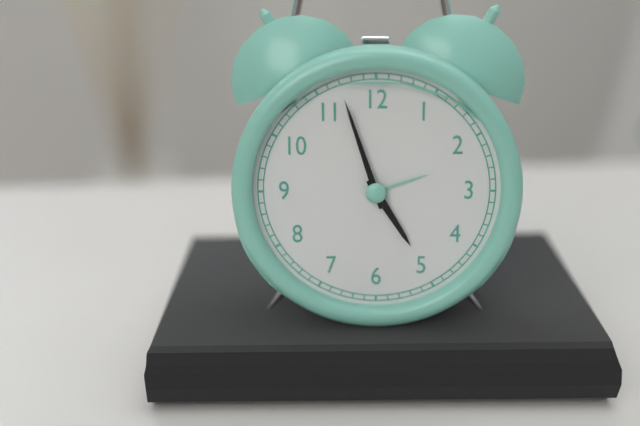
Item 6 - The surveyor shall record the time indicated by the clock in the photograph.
4:57
